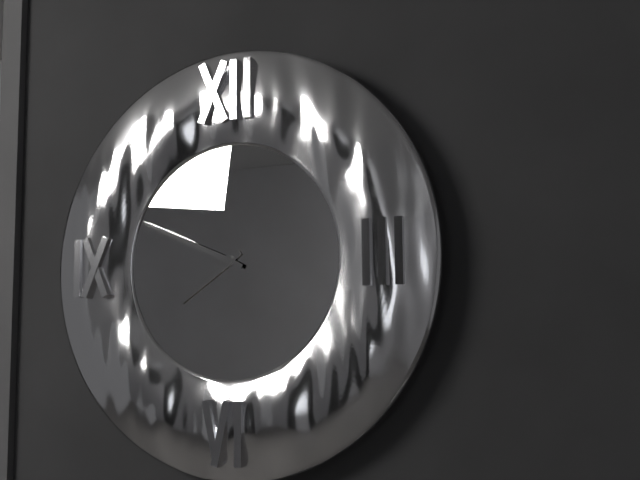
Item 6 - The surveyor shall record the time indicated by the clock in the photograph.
7:49
